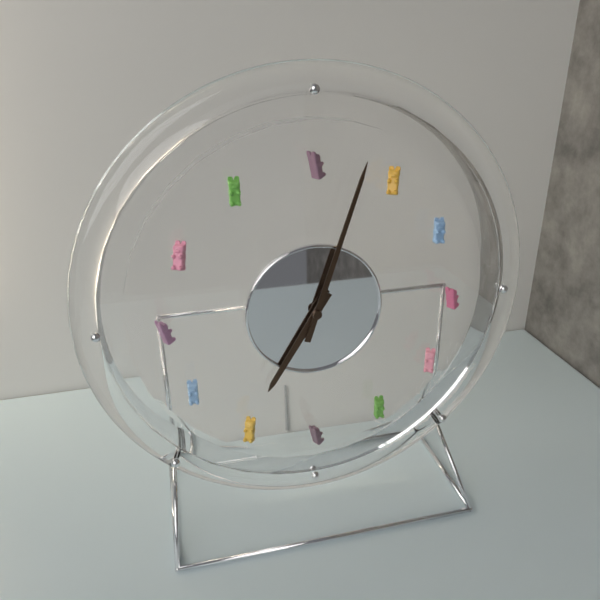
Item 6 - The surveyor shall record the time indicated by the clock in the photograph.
7:03
